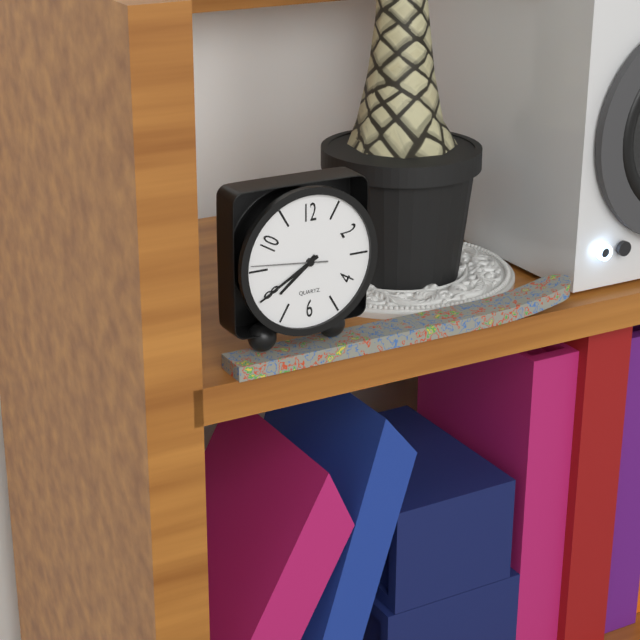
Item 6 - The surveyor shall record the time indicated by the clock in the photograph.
7:40:46
